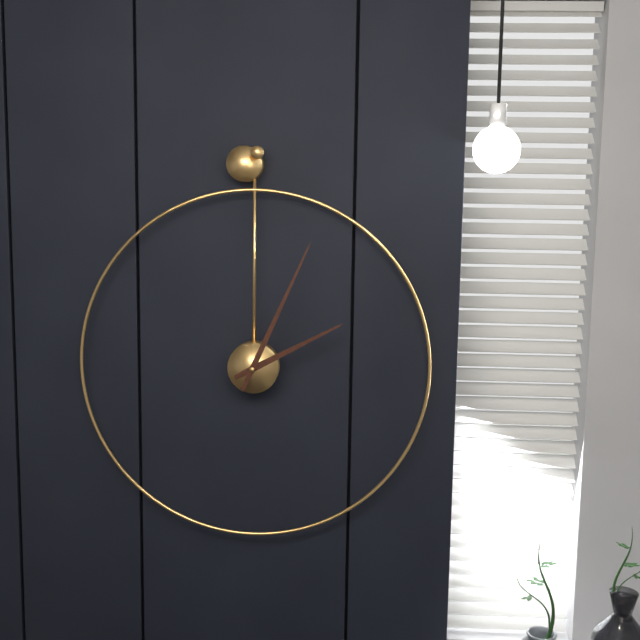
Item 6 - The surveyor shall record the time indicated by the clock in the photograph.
2:04
